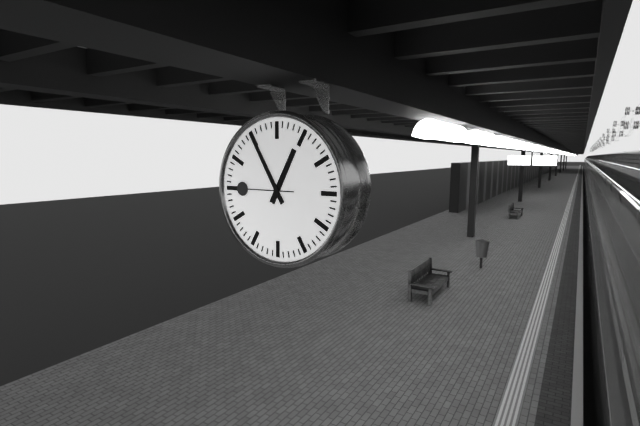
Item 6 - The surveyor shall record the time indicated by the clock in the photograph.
12:55:45
